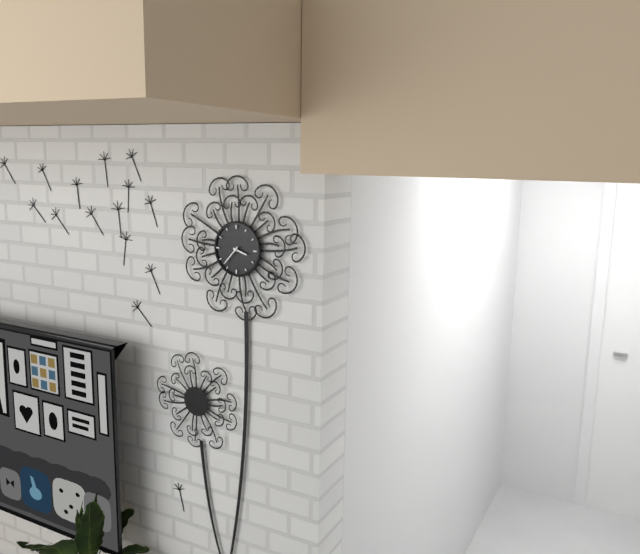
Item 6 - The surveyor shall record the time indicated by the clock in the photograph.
3:37
